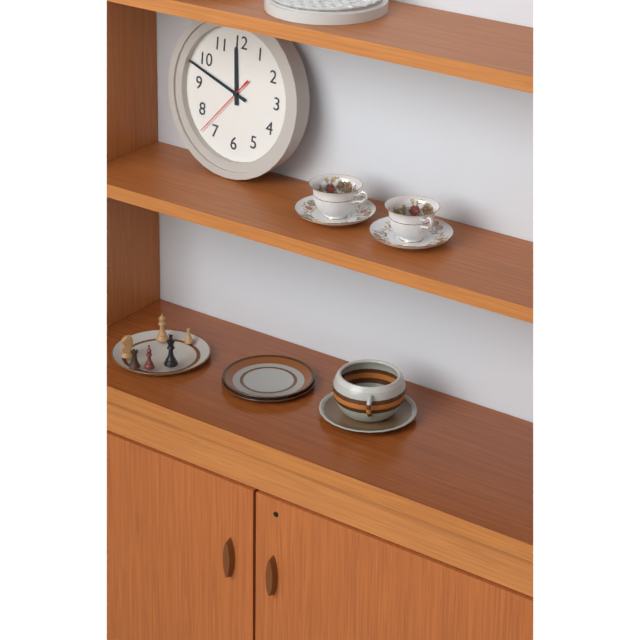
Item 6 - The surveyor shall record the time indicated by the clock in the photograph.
11:48:37
